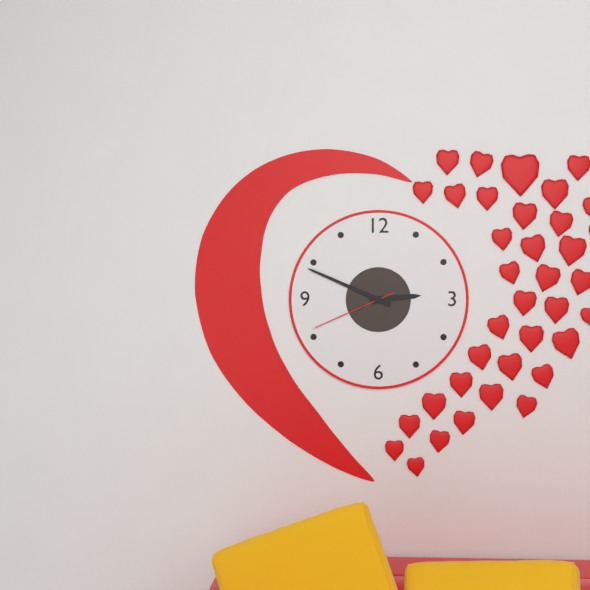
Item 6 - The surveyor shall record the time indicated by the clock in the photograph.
2:49:41
